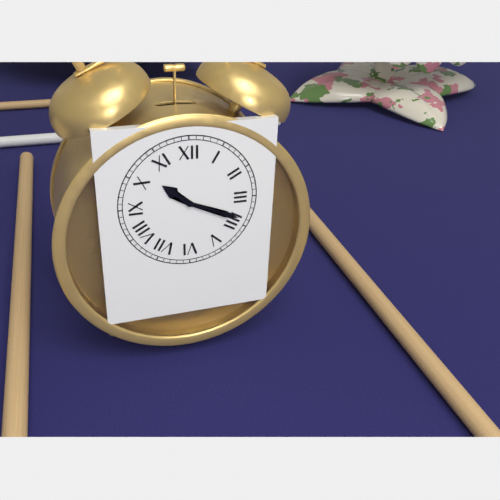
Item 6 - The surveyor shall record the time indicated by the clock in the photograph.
10:19
